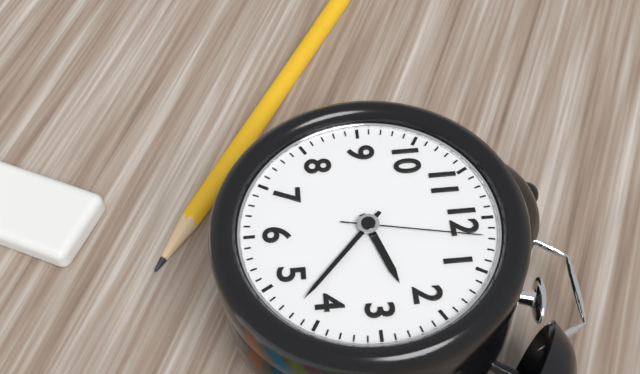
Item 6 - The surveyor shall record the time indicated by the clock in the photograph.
2:22:02
